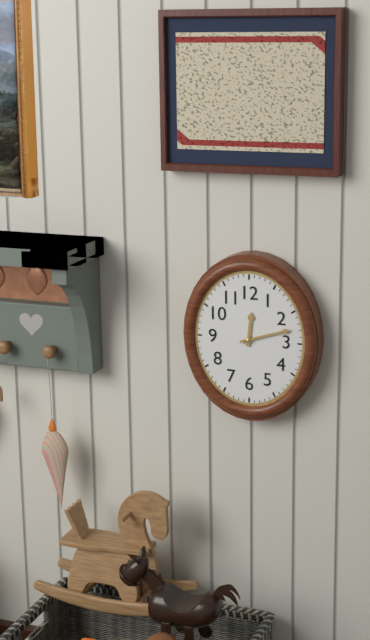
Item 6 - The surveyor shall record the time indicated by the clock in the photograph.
12:12
